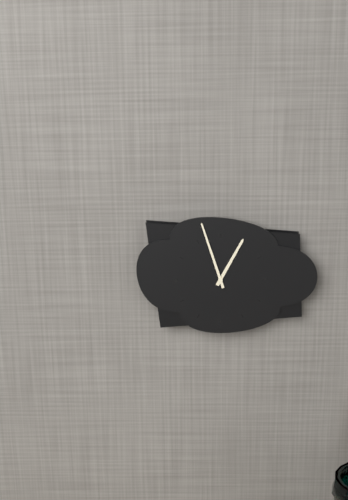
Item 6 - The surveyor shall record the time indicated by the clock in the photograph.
12:57
